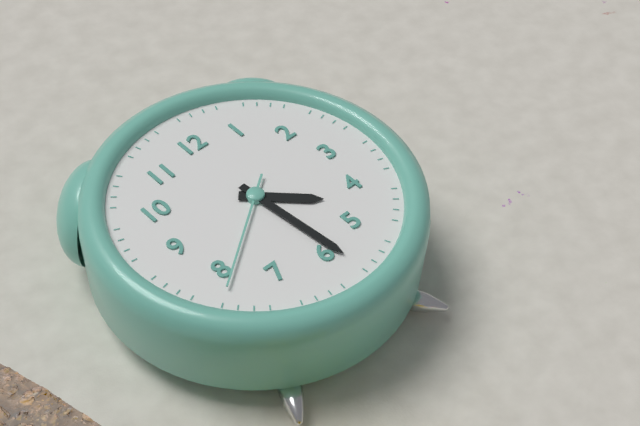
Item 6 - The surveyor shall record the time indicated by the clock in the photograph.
4:29:39
